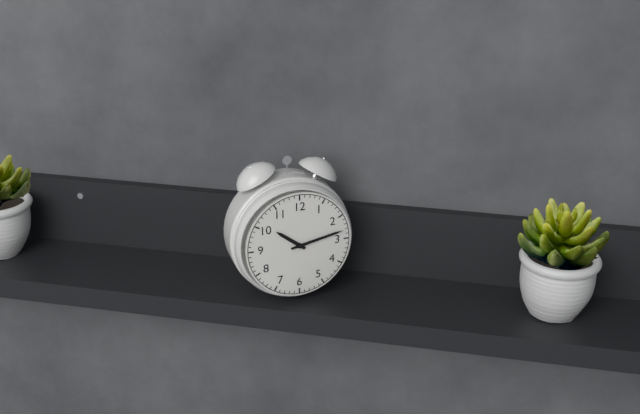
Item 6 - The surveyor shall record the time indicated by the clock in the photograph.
10:13
